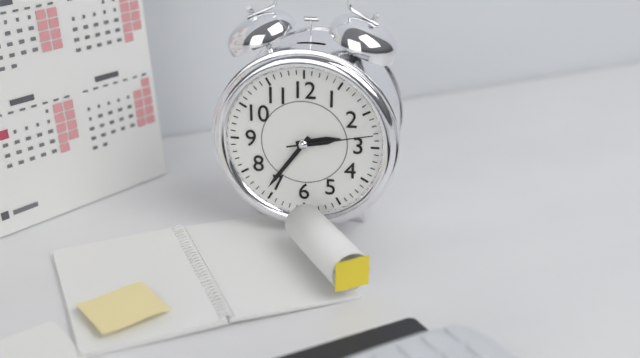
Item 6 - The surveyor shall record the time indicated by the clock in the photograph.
2:36:13
